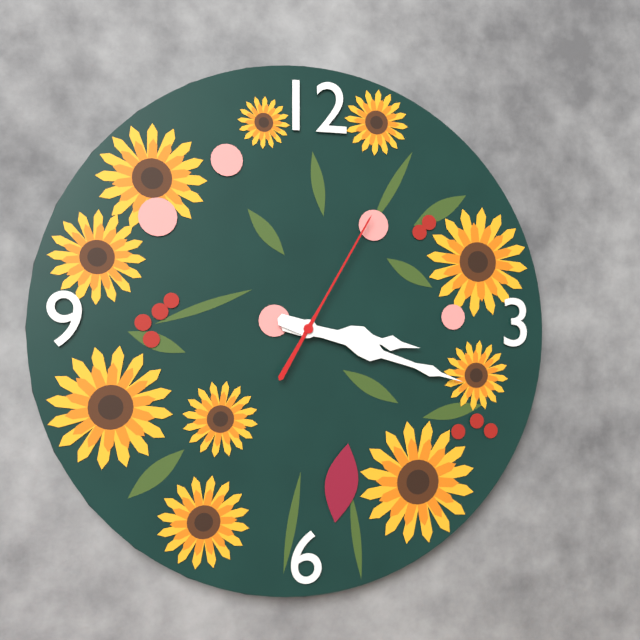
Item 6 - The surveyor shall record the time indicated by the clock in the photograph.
3:18:05
